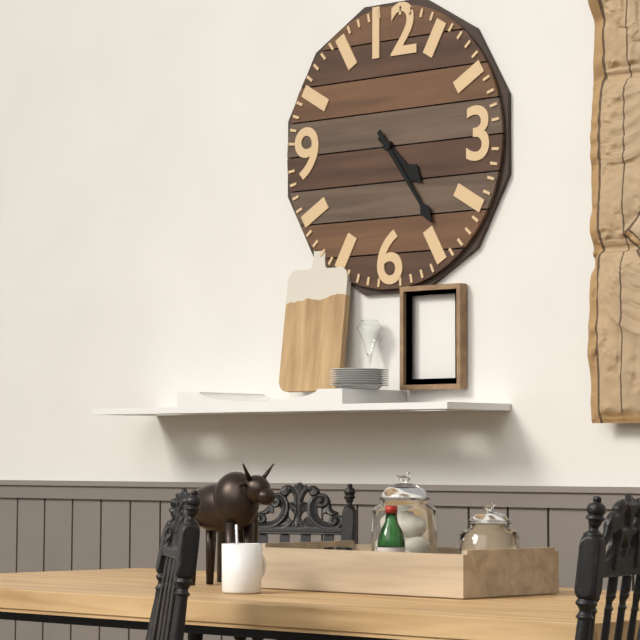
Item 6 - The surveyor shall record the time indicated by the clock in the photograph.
4:24
